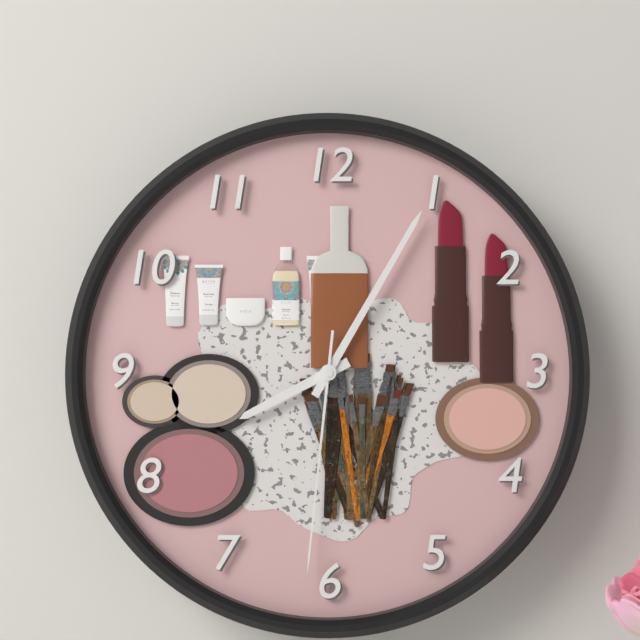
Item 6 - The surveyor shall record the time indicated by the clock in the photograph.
8:05:31
